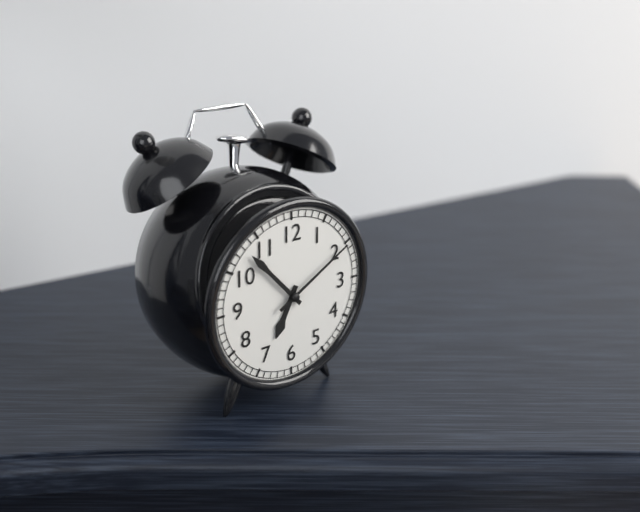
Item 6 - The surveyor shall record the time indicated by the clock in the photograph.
6:53:10
